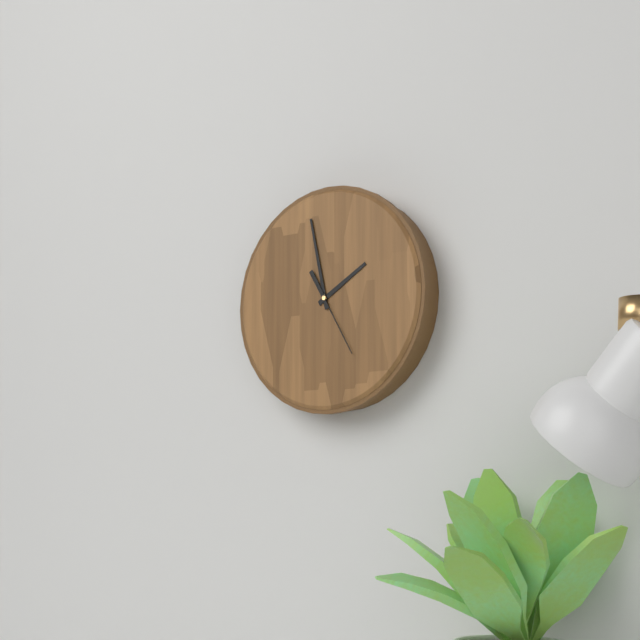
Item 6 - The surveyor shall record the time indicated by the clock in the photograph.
1:58:25
